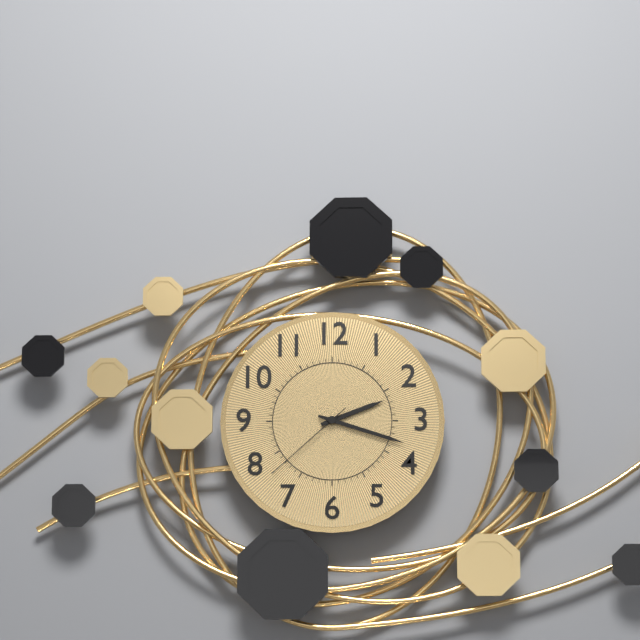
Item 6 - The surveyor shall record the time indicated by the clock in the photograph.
2:18:38
